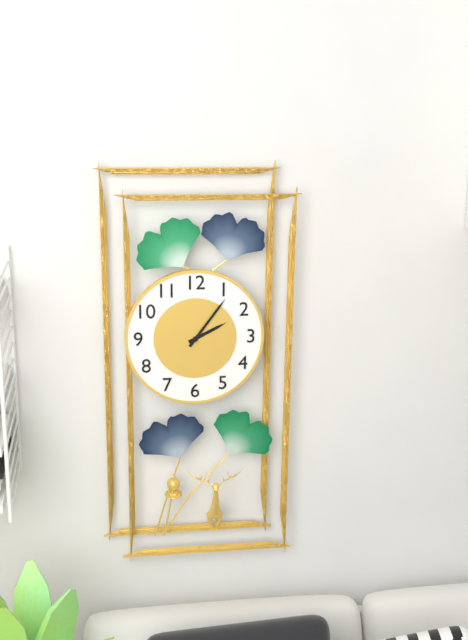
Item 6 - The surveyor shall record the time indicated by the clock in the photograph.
2:06
